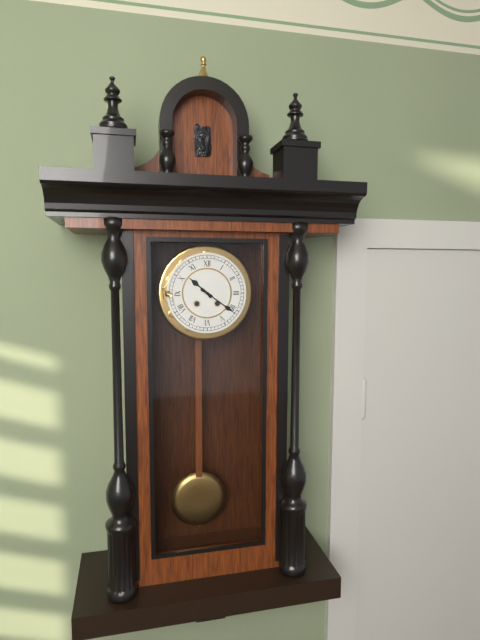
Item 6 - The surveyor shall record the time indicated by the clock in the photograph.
10:21
